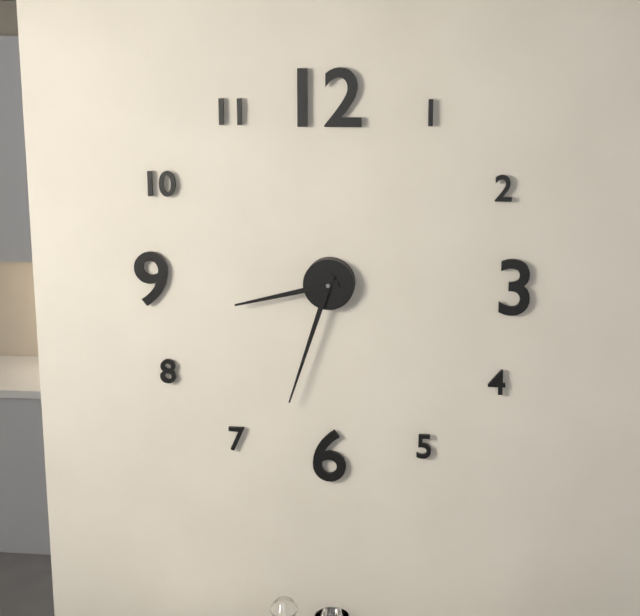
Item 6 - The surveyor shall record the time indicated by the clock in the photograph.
8:33
